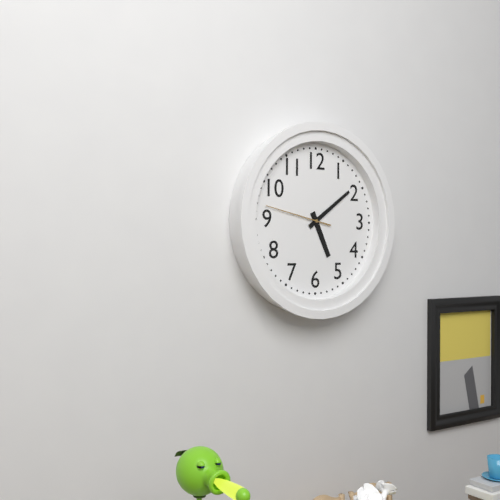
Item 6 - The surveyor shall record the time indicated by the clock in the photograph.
5:09:47
